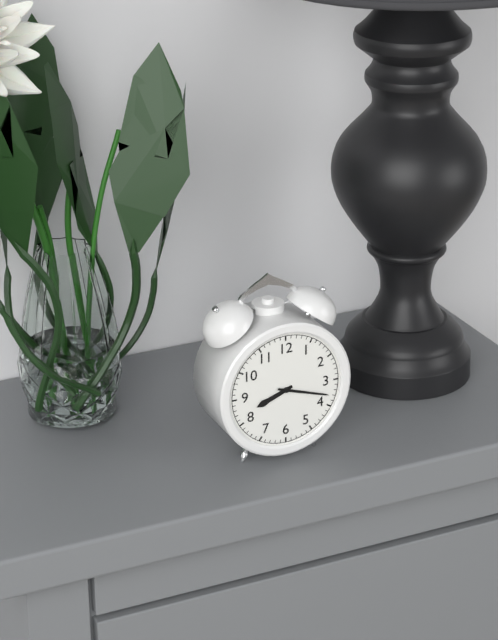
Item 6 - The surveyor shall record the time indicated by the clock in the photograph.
8:18
